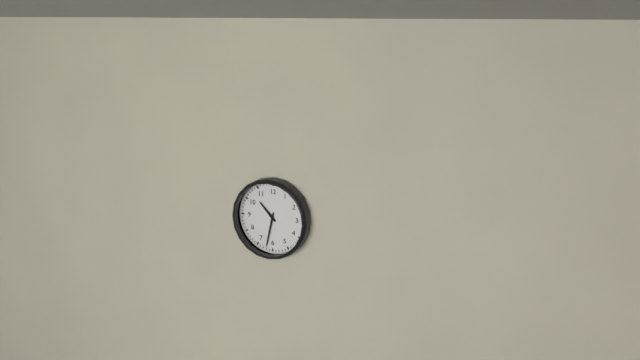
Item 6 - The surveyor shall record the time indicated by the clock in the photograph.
10:32
